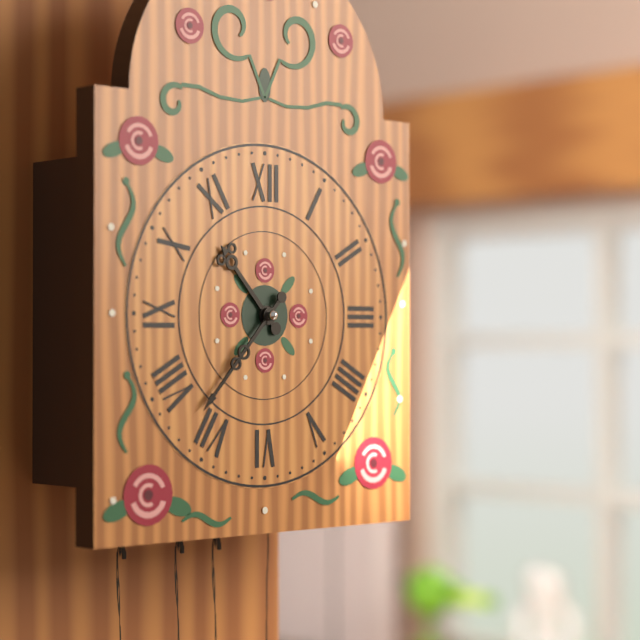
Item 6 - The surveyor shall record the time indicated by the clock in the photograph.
10:37
